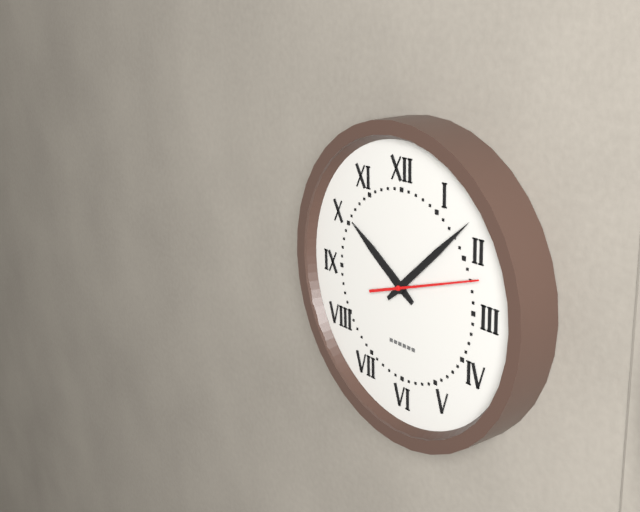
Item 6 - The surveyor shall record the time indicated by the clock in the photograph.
10:08:12
